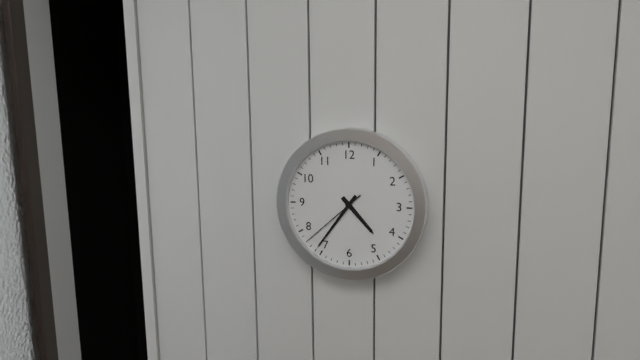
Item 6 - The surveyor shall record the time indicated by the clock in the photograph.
4:36:38
